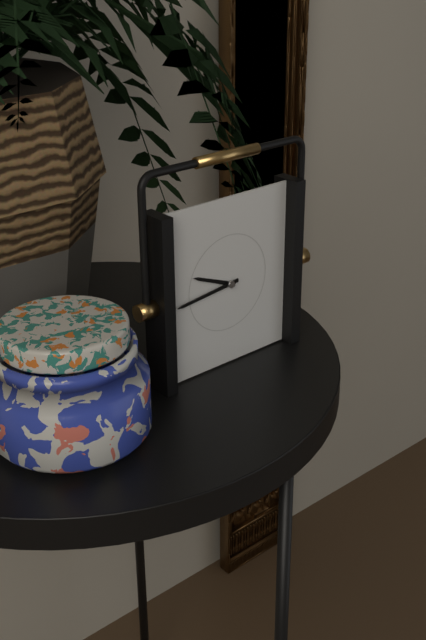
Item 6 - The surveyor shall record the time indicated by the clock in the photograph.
9:44
